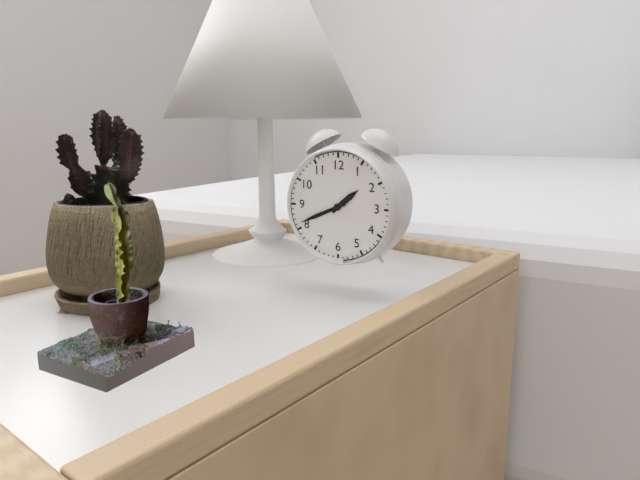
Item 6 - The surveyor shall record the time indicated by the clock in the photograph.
1:41
